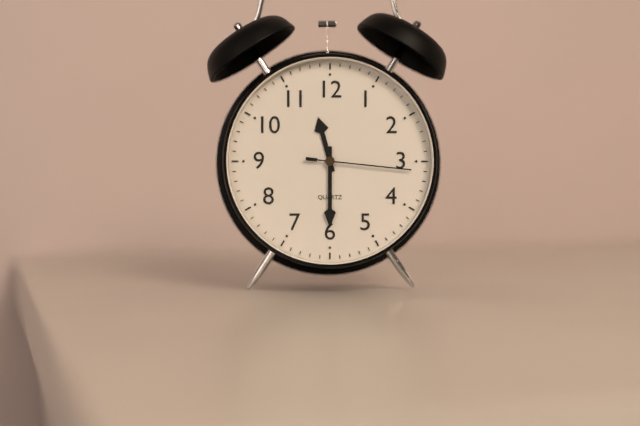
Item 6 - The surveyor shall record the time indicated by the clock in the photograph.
11:30:16
